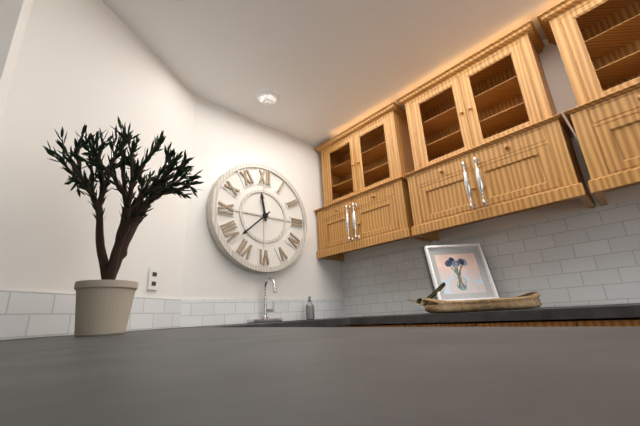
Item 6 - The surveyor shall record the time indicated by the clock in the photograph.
11:38
